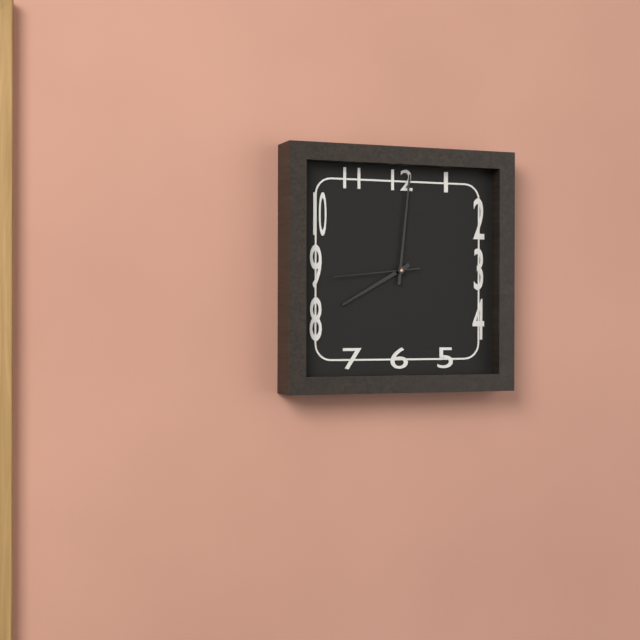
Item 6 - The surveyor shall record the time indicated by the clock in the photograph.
8:01:44
